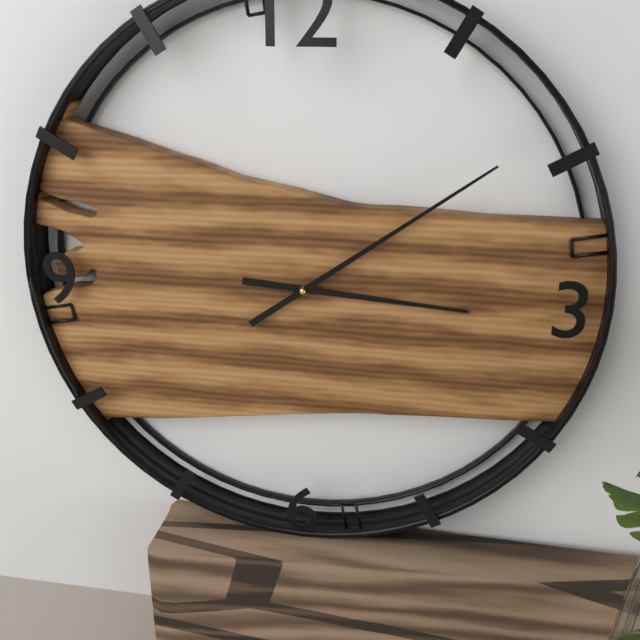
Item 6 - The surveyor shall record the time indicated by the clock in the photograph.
3:09
